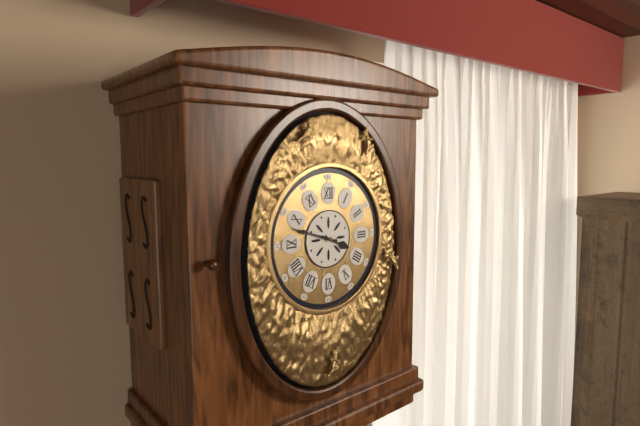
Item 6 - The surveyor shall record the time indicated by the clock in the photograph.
3:48
